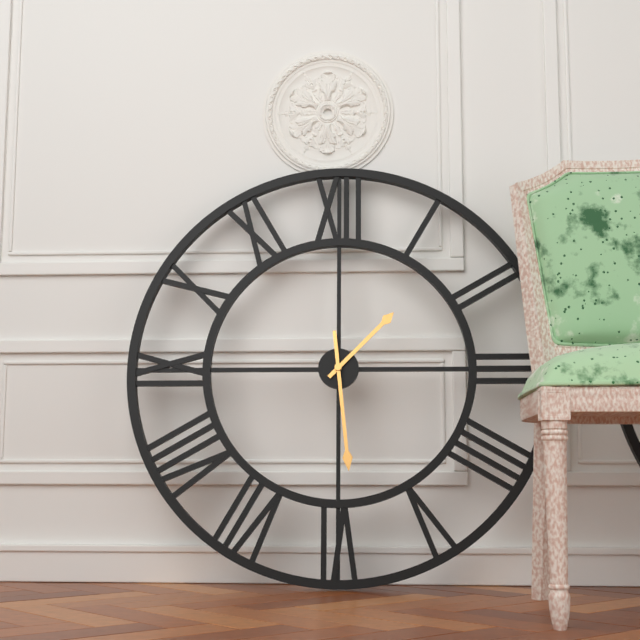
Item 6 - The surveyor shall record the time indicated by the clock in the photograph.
1:29
